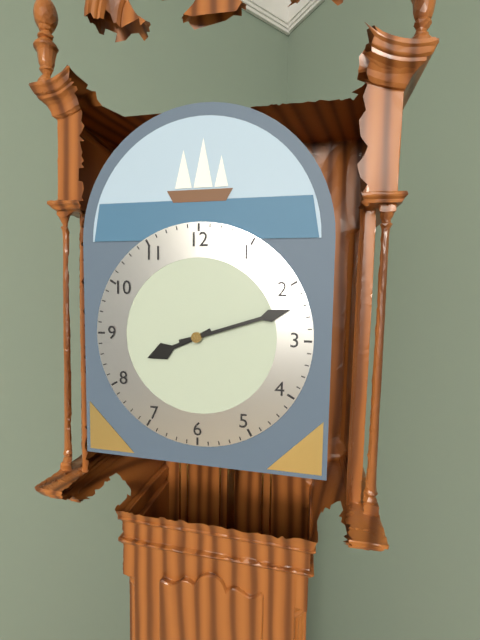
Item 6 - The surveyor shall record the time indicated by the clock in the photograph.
8:12
